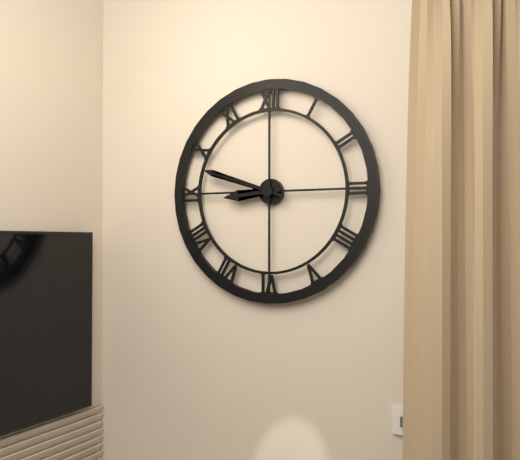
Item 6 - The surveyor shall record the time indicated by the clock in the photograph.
8:48
